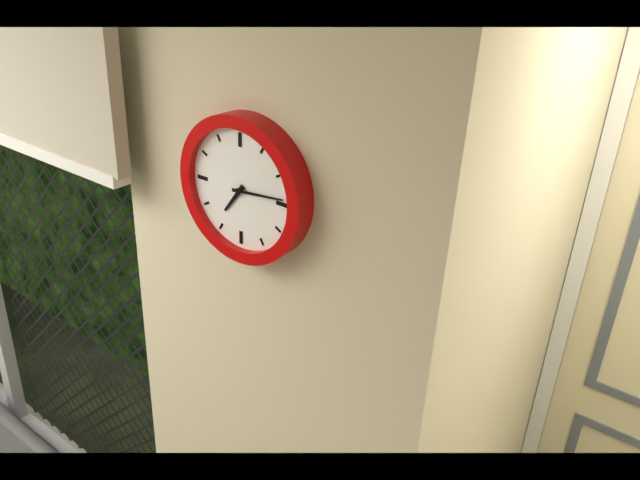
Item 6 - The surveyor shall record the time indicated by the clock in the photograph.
7:14
